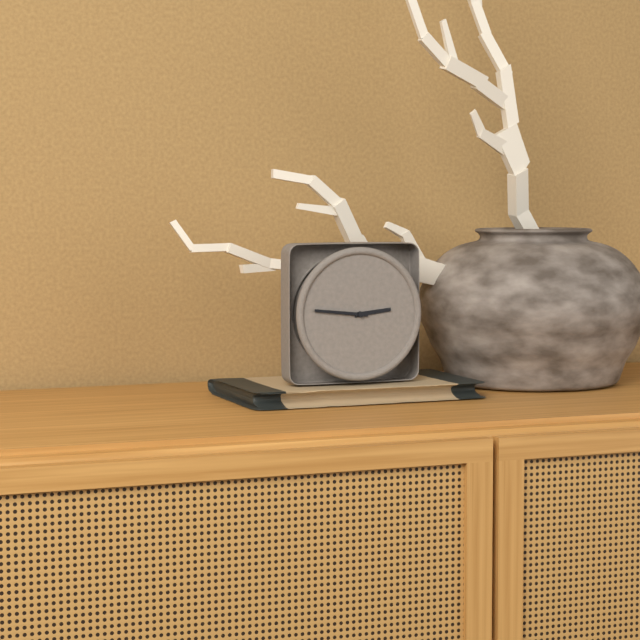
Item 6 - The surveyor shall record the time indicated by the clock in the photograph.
2:46
